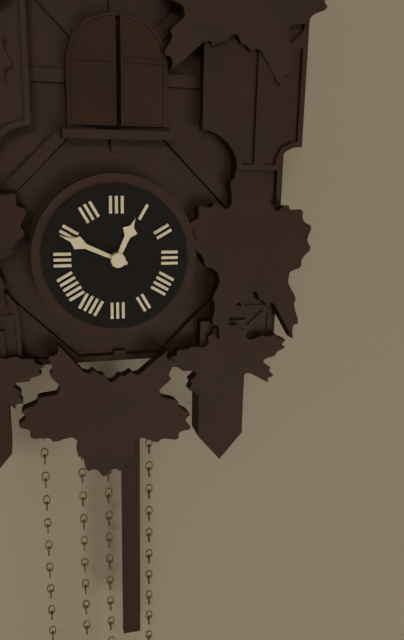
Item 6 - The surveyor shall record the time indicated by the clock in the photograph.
12:49
